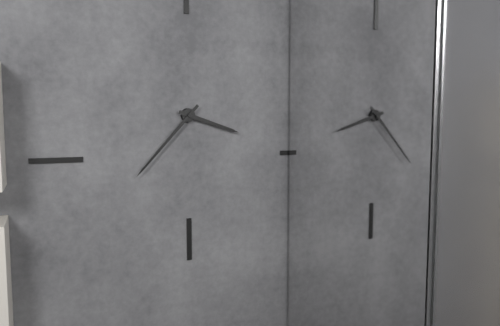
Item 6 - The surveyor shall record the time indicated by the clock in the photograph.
3:37
